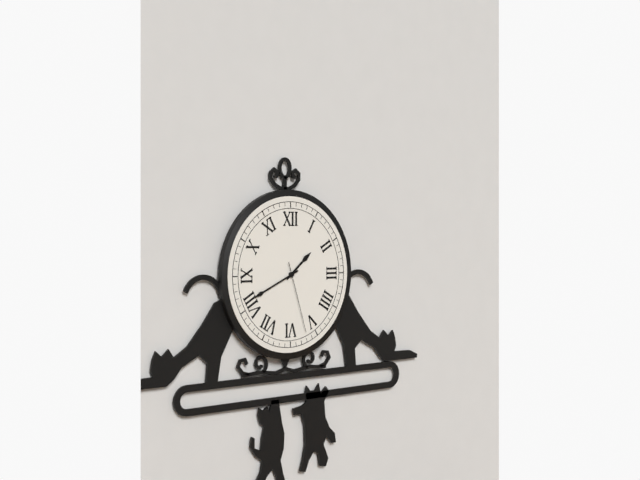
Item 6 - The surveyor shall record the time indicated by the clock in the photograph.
1:41:27
